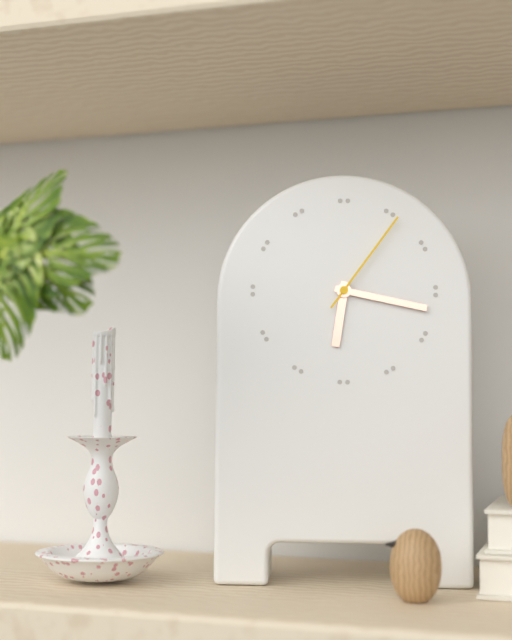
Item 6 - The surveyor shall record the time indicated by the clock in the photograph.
6:17:06
